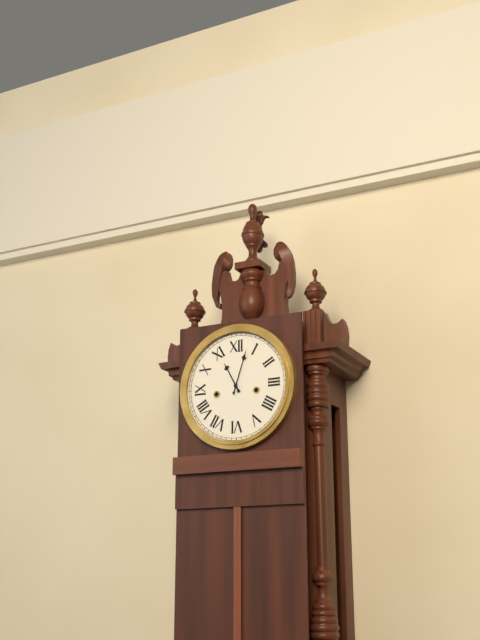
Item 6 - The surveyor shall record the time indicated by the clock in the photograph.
11:03
